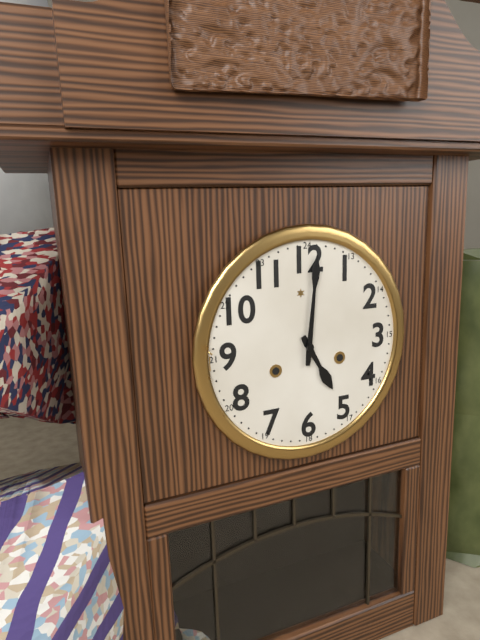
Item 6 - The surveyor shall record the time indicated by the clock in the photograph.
5:01
